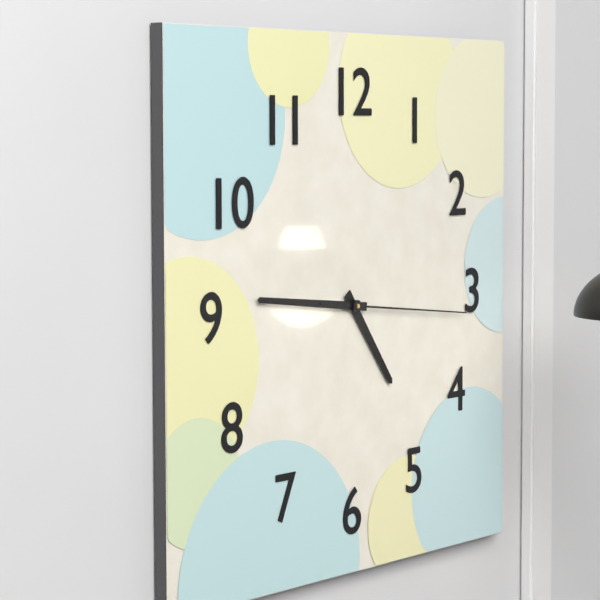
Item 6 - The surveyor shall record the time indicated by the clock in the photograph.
4:46:16
